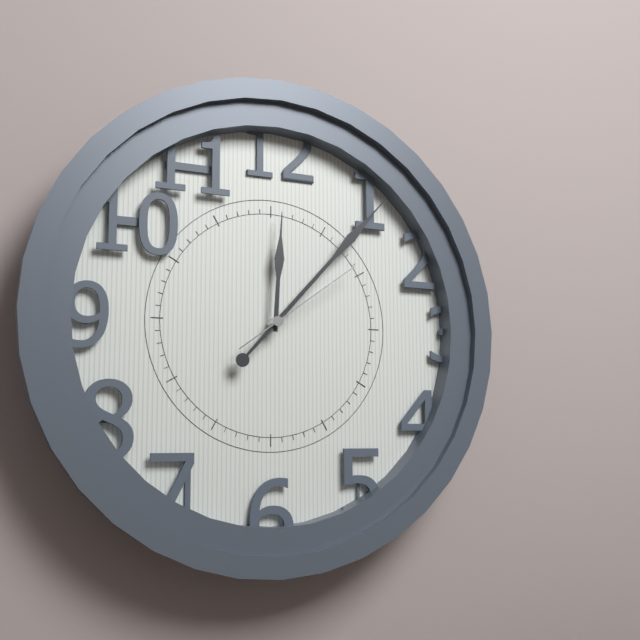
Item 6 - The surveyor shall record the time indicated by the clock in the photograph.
12:07:09
